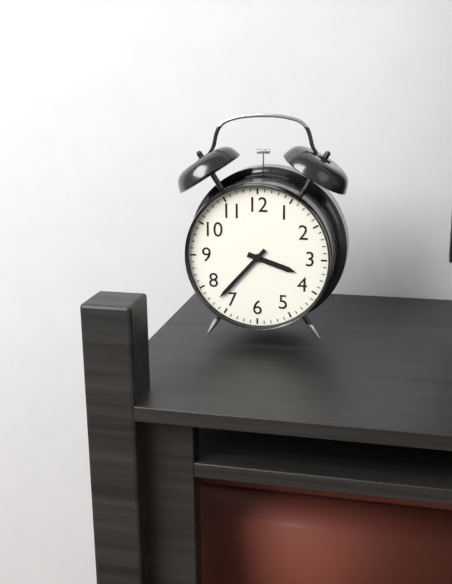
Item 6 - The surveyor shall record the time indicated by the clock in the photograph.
3:37
